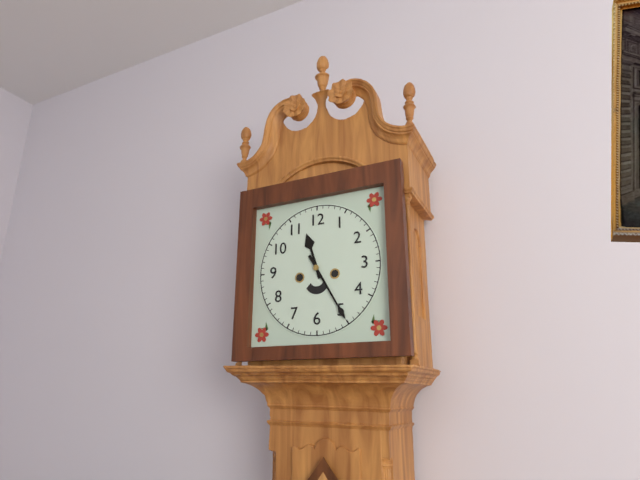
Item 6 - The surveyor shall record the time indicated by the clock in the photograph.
11:25
